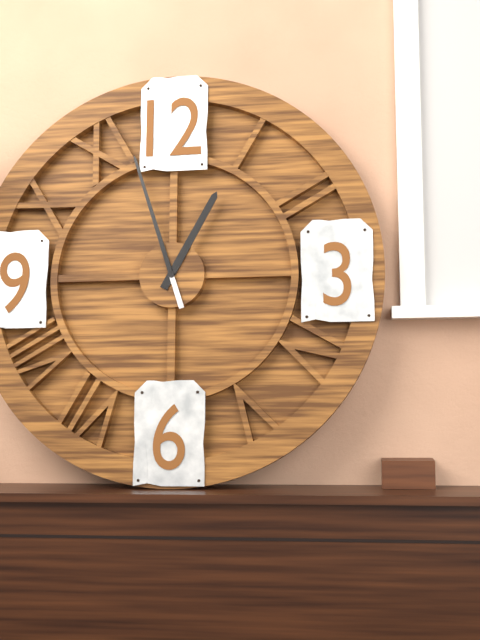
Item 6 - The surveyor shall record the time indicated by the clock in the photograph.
12:57
